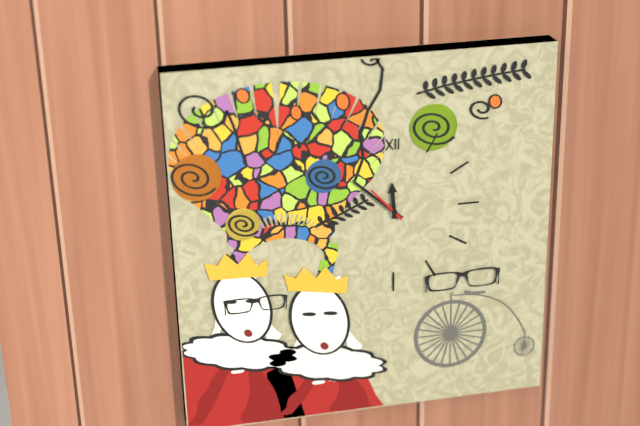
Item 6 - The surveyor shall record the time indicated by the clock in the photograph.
11:52
